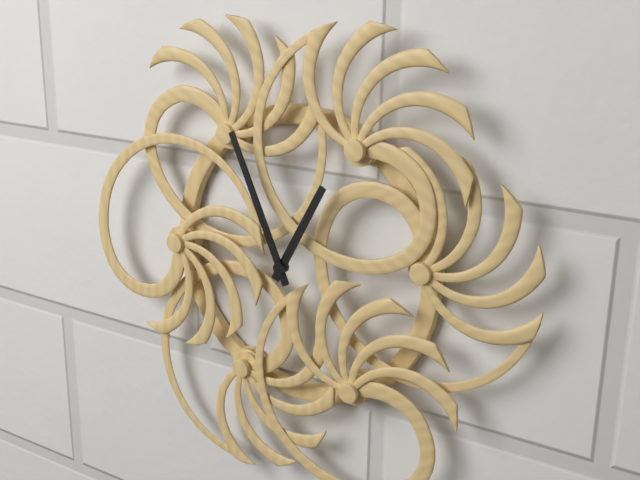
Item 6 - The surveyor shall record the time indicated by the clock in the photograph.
12:56
